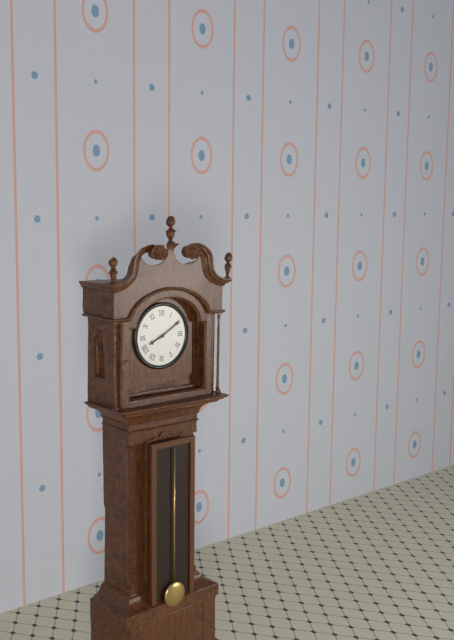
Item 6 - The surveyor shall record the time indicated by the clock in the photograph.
8:10
